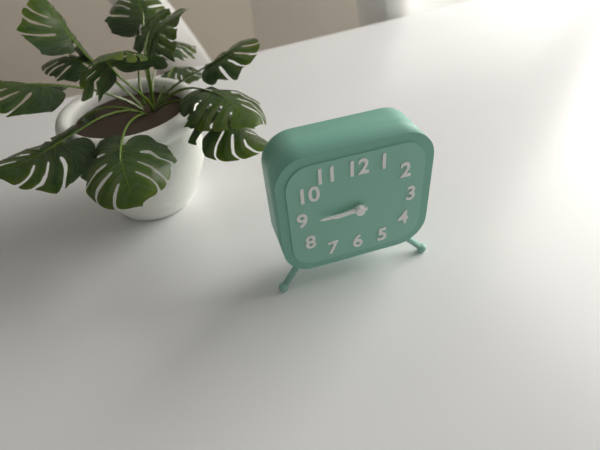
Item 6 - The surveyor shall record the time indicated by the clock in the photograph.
8:45
